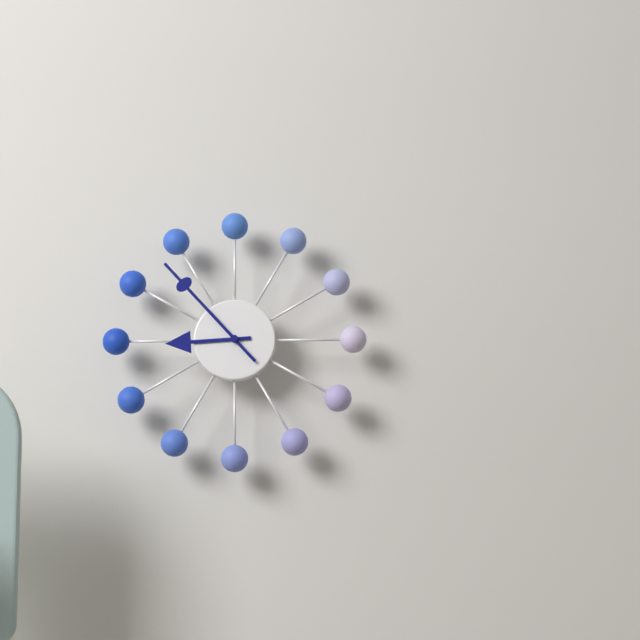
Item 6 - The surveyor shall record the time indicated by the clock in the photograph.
8:53
